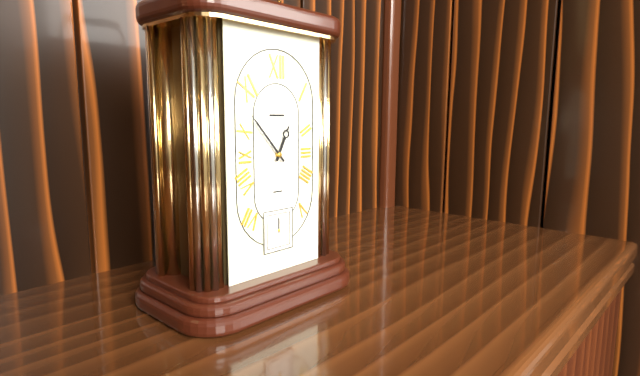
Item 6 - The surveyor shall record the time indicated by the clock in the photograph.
12:53
